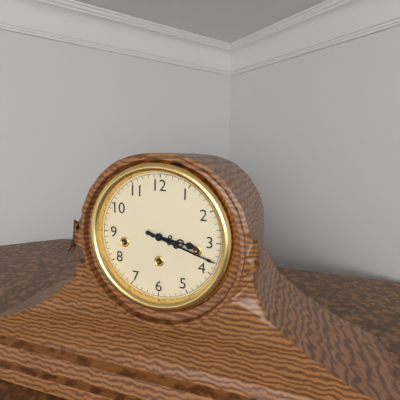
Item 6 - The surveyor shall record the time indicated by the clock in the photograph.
3:18
